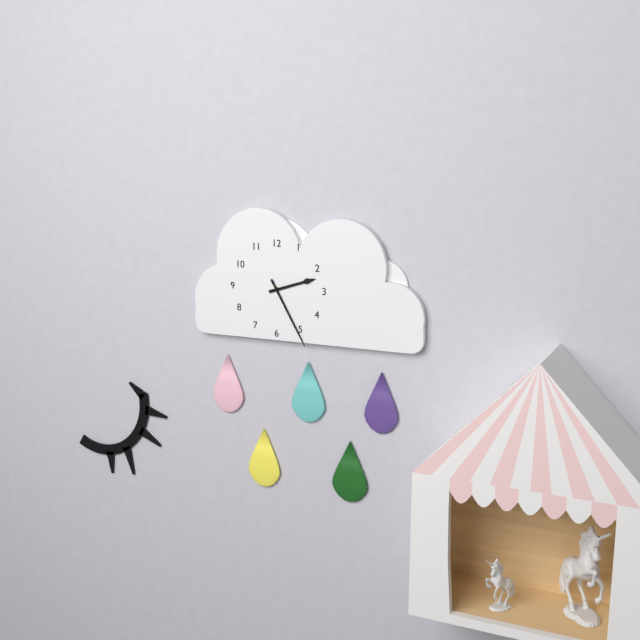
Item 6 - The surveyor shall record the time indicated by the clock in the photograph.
2:25
